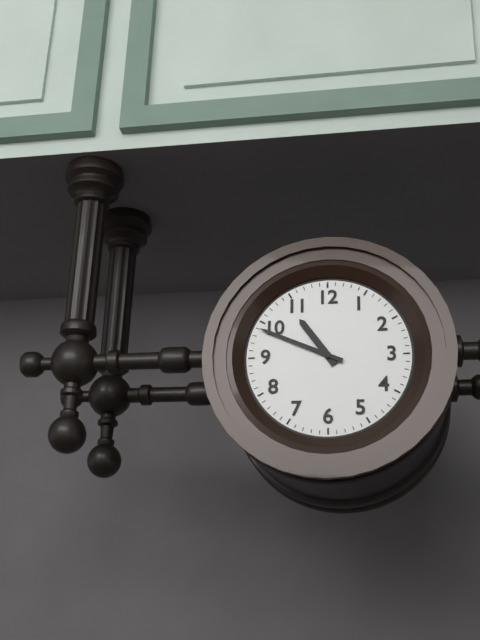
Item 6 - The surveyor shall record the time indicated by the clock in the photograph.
10:49
